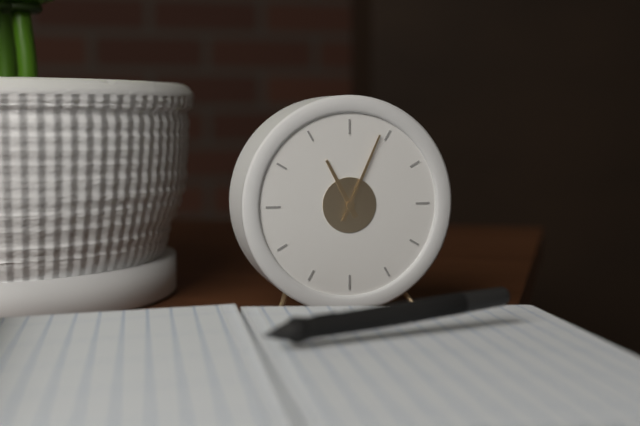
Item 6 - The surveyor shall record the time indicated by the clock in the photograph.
11:04
